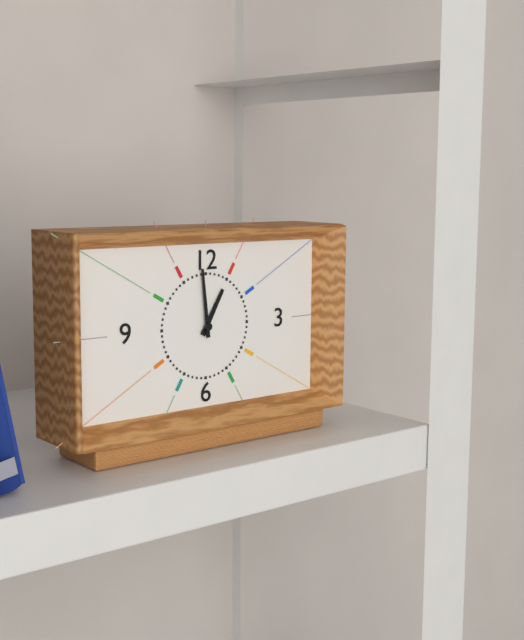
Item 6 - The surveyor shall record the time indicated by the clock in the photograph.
12:59
